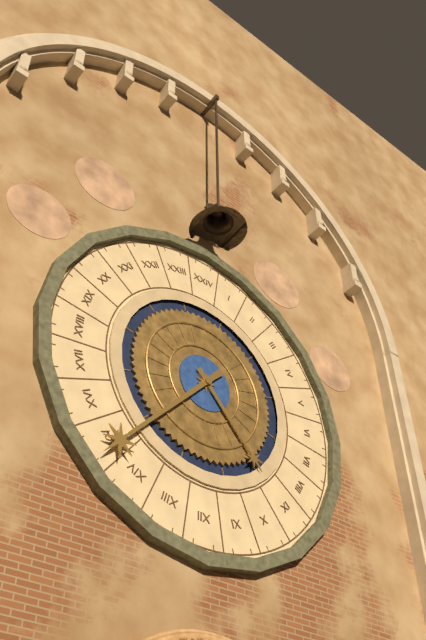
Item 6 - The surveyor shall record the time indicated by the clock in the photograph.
4:37
